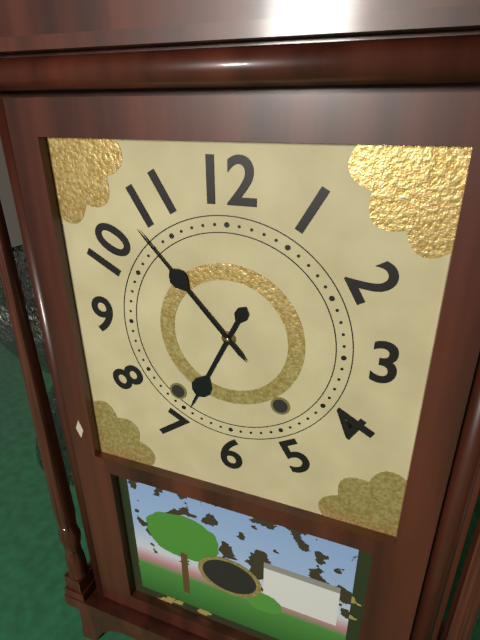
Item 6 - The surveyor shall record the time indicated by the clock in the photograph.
6:53
